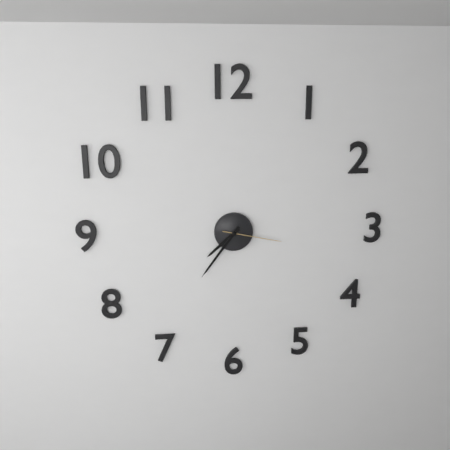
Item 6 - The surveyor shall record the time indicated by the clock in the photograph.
7:36:17
